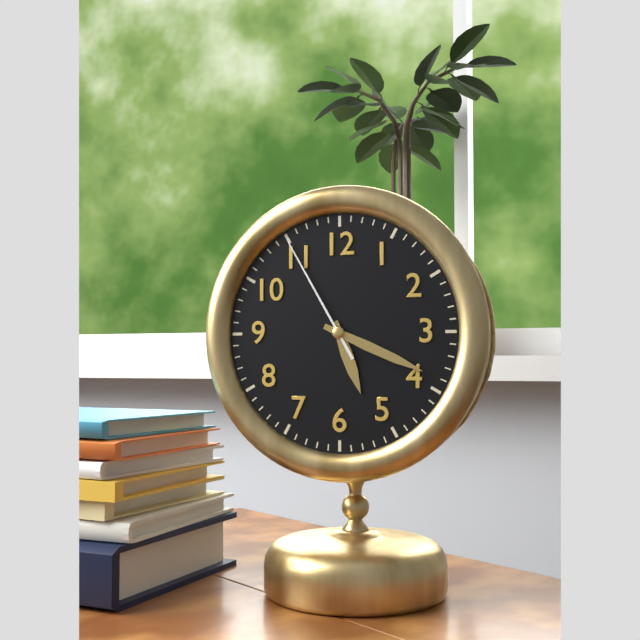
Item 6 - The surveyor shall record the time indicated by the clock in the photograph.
5:19:55
